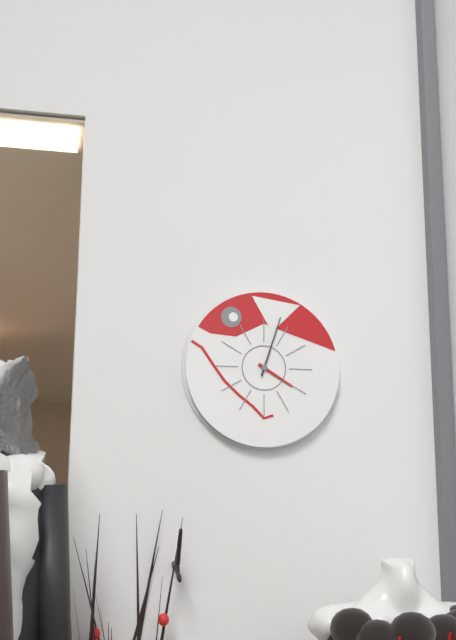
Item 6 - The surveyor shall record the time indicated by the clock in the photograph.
4:03
